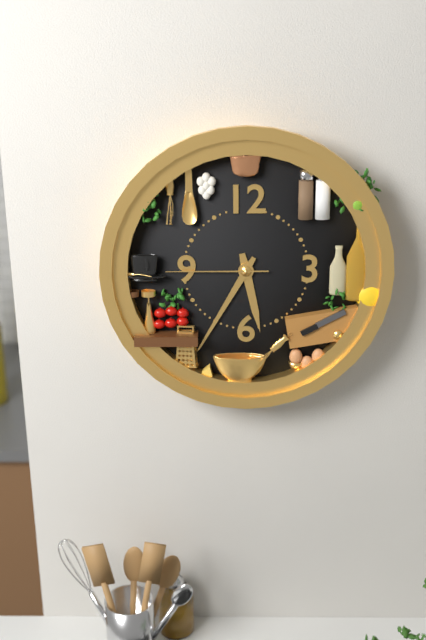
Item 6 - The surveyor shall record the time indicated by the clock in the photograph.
5:35:45
